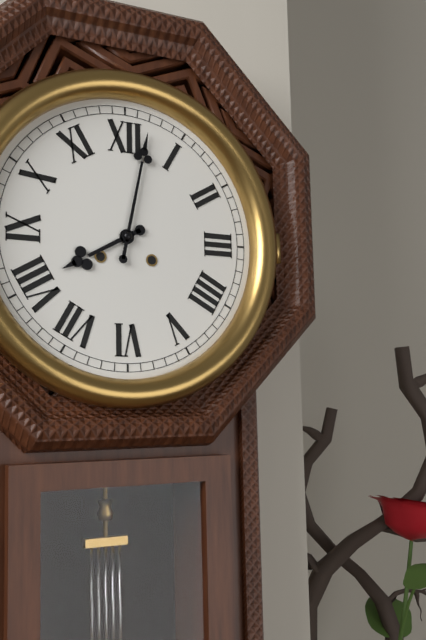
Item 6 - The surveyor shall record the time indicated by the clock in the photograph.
8:02
